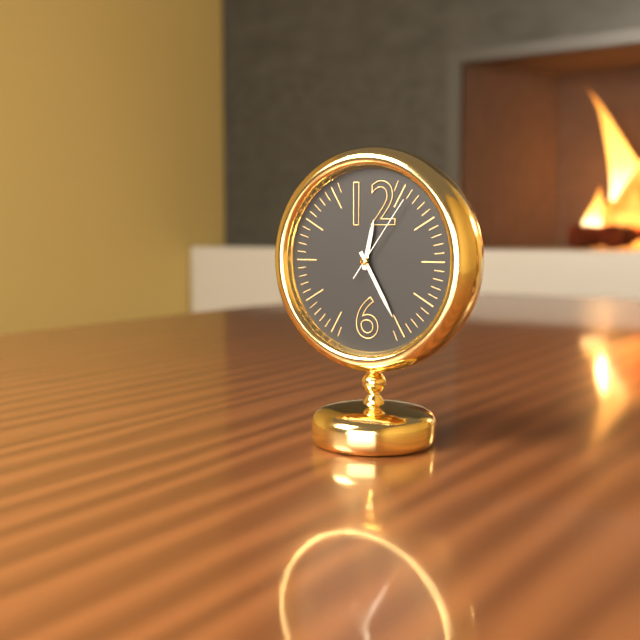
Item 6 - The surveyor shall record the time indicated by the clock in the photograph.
12:25:06
